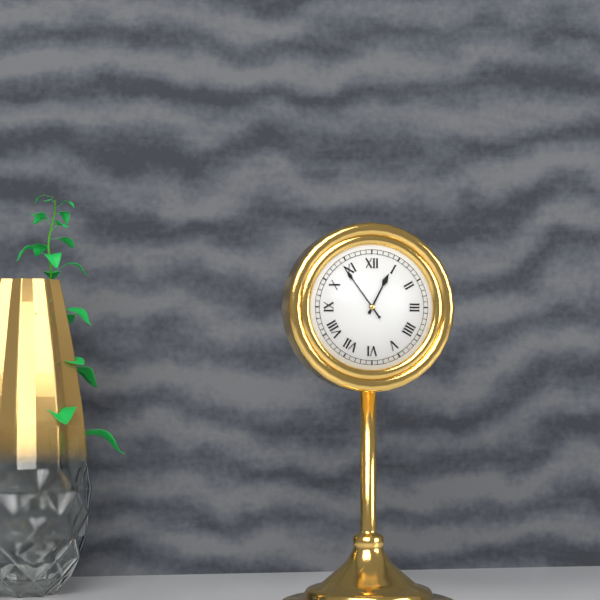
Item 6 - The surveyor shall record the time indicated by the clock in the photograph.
12:54
